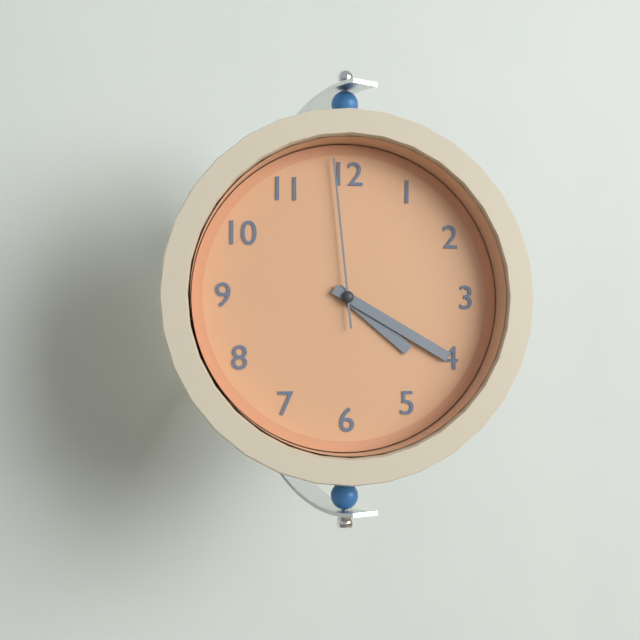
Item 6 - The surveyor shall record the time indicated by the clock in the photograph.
4:20:59
